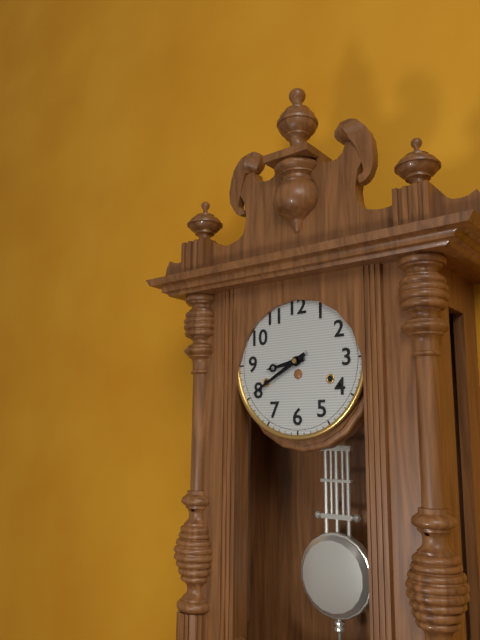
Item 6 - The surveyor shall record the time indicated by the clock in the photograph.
8:40
